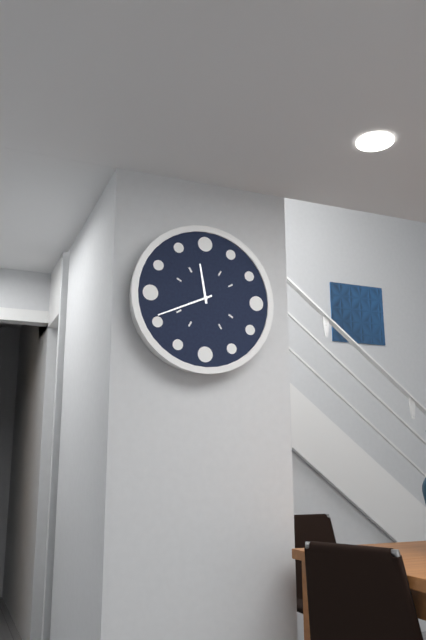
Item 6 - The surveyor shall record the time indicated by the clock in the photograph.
11:41
